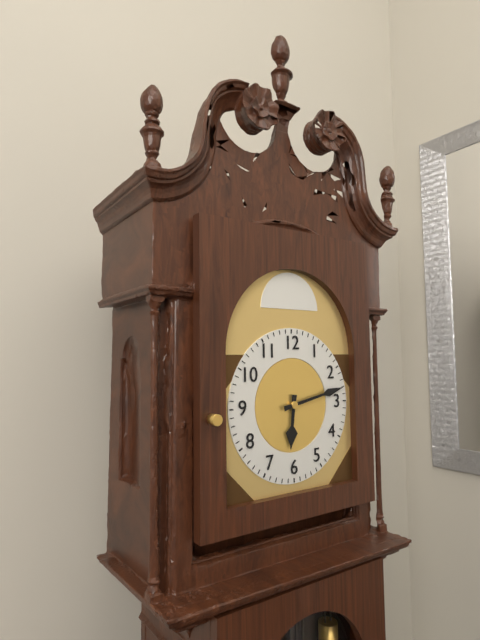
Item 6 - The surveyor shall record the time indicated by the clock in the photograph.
6:13
